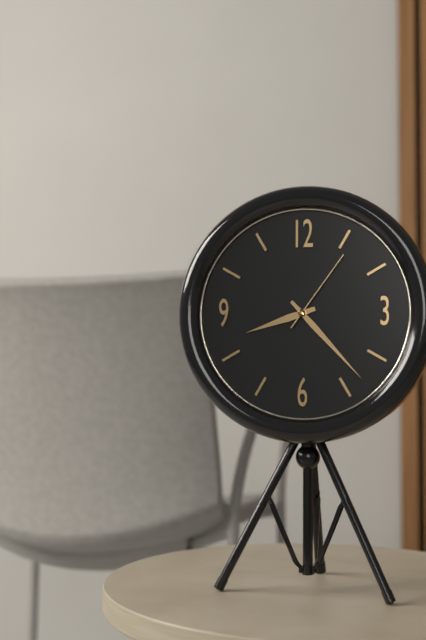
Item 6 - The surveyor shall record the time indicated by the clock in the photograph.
8:23:06
